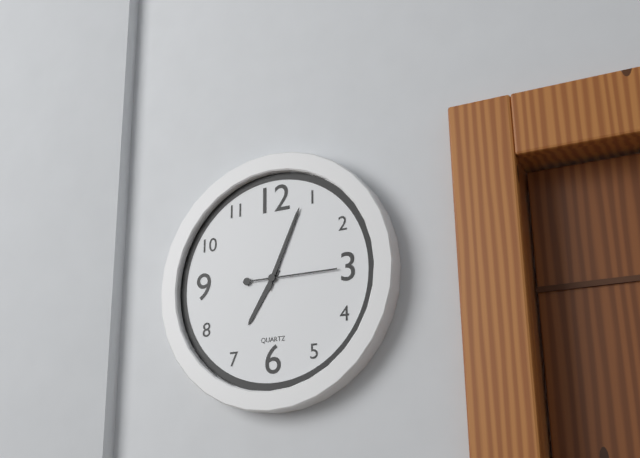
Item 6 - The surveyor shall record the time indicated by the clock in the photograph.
7:04:15
